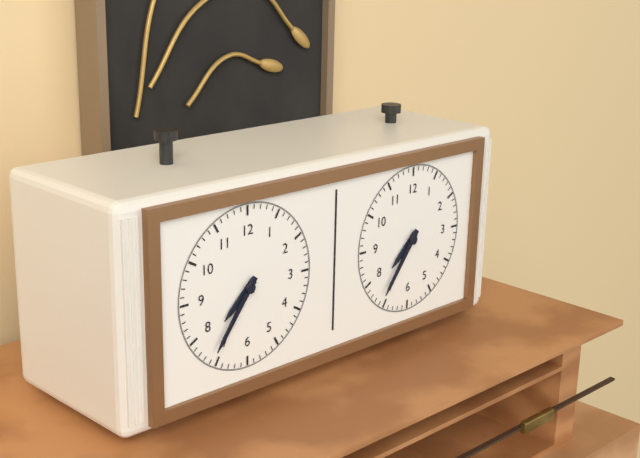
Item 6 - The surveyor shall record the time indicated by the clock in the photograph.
7:36
